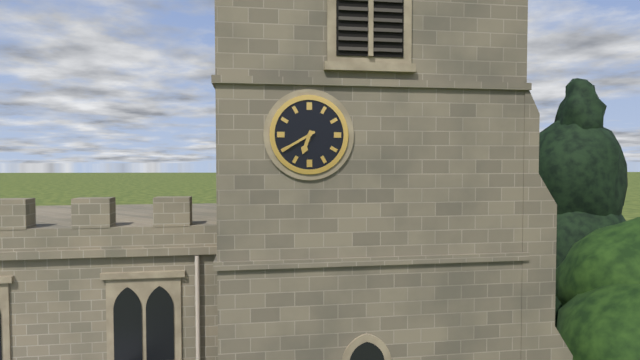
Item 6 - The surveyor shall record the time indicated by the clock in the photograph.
6:40
